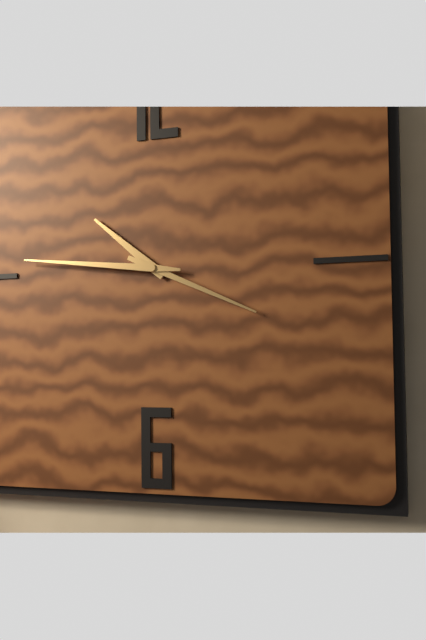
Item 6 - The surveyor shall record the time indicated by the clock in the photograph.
10:19:46
